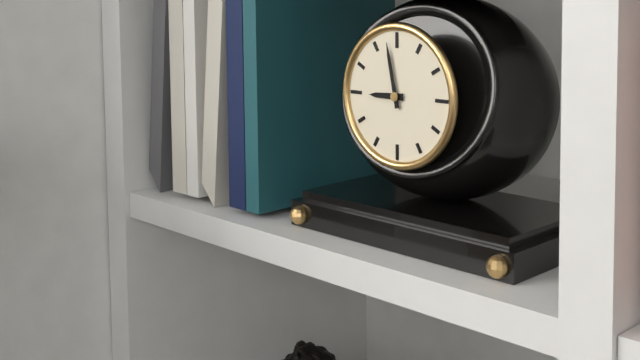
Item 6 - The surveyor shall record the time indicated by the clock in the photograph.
8:58
